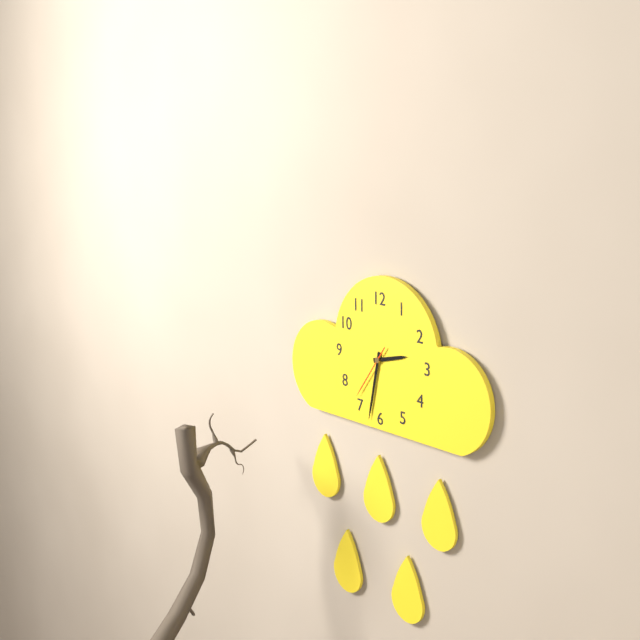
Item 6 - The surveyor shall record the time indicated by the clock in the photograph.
2:32:36
